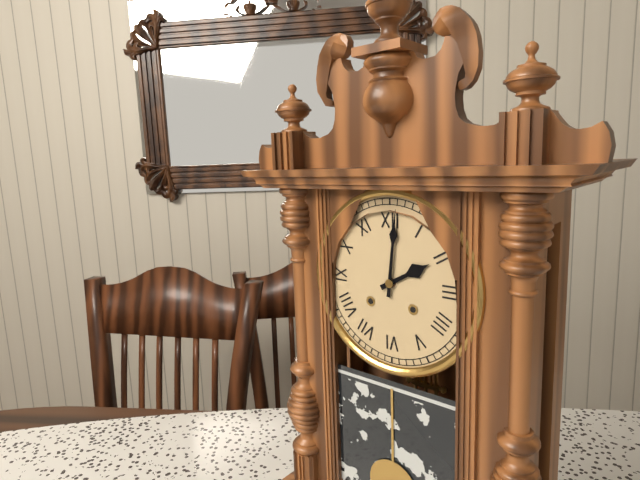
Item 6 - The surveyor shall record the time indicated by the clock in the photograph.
2:01
